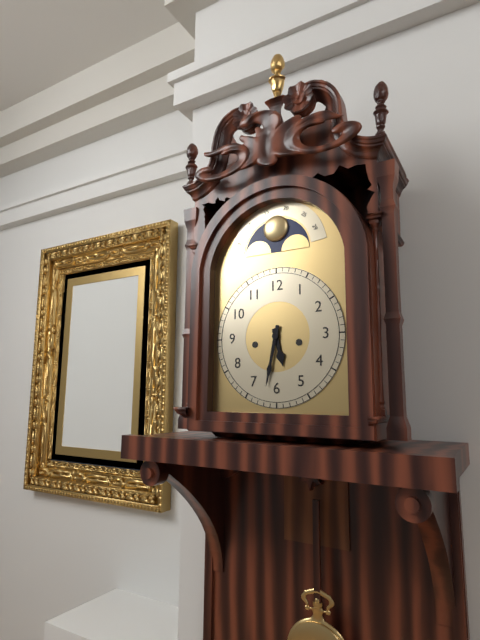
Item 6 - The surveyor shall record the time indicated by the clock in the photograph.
5:32
